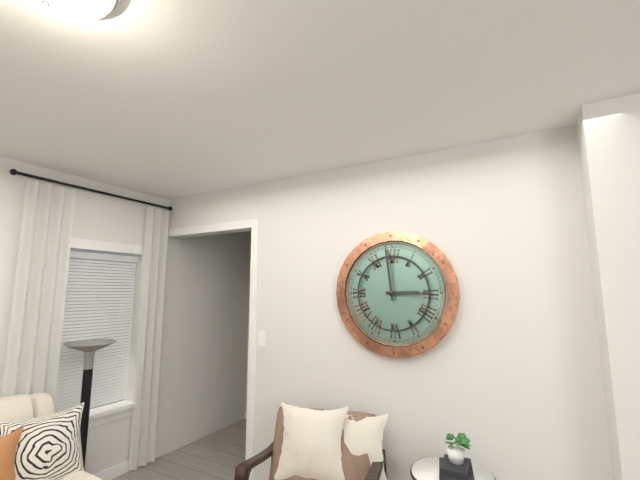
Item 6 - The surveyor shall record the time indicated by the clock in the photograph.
2:59
